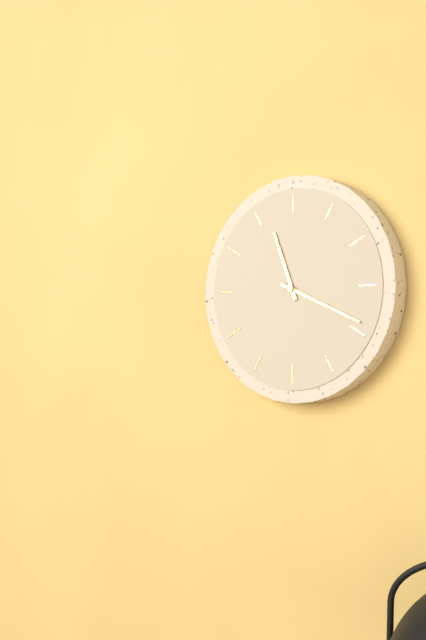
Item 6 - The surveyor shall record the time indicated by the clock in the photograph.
11:19
